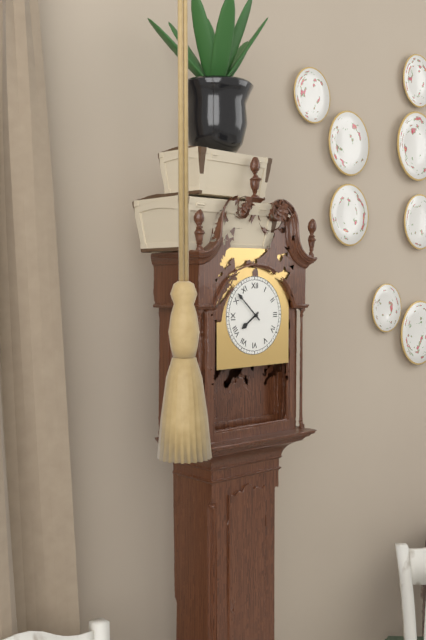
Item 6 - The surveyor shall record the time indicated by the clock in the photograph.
7:52
